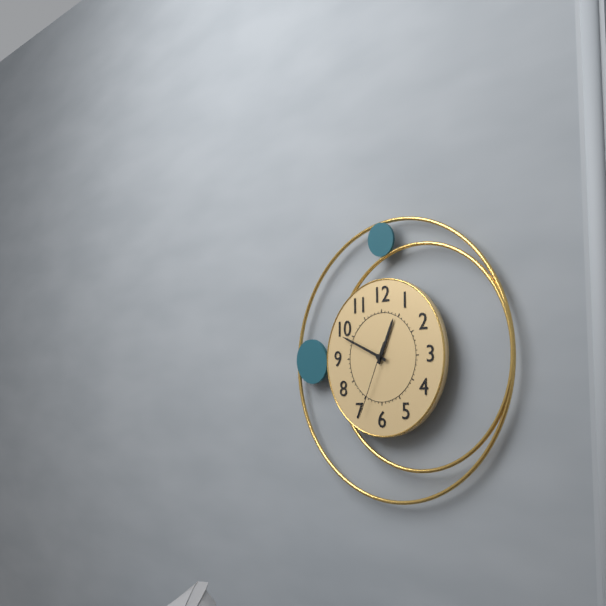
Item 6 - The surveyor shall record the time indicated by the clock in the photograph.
12:49:34
